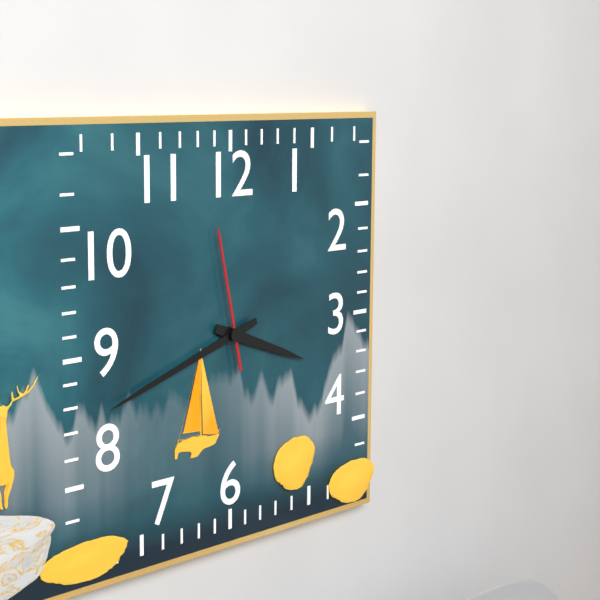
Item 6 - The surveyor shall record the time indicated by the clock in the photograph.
3:42:58
